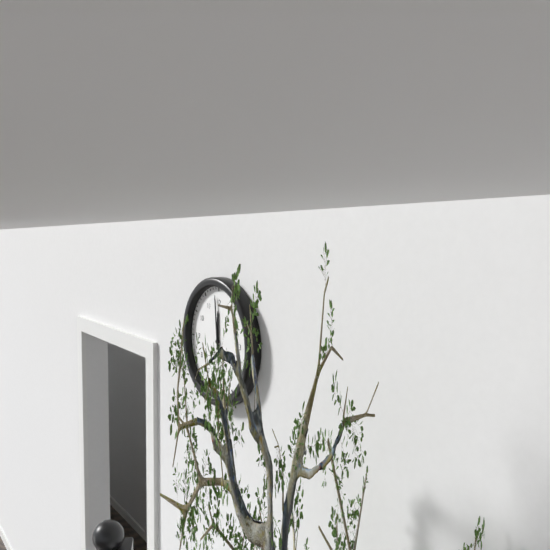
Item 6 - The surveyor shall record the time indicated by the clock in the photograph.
11:59
